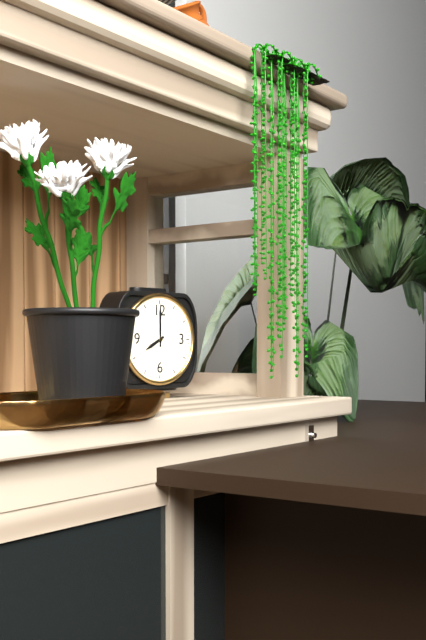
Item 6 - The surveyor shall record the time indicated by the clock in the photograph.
8:00
